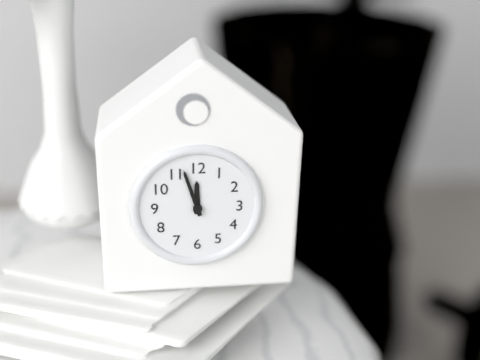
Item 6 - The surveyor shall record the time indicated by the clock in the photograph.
11:57
